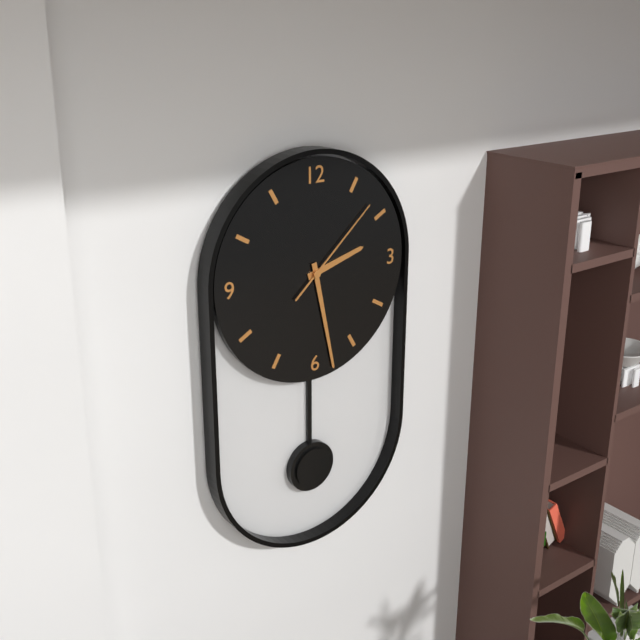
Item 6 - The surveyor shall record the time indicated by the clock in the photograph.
2:28:08
